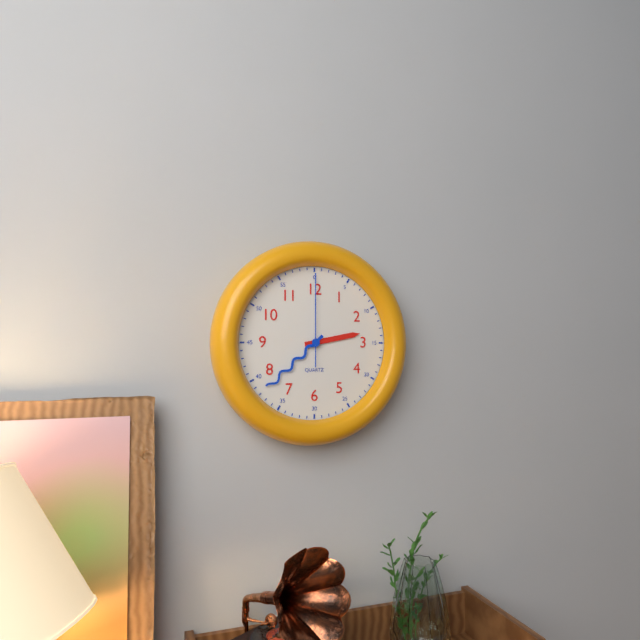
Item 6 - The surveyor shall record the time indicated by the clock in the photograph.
2:38:00
